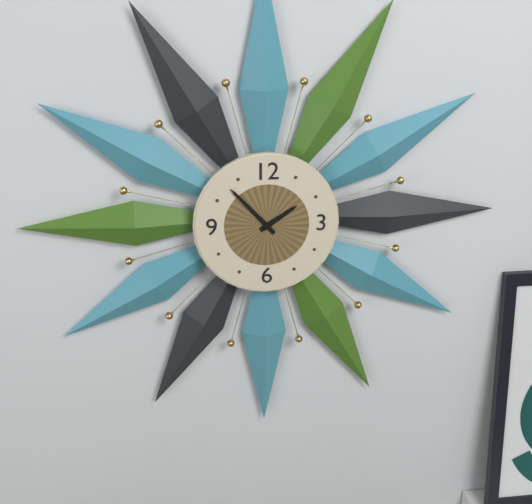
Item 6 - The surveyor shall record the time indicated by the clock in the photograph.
1:53
